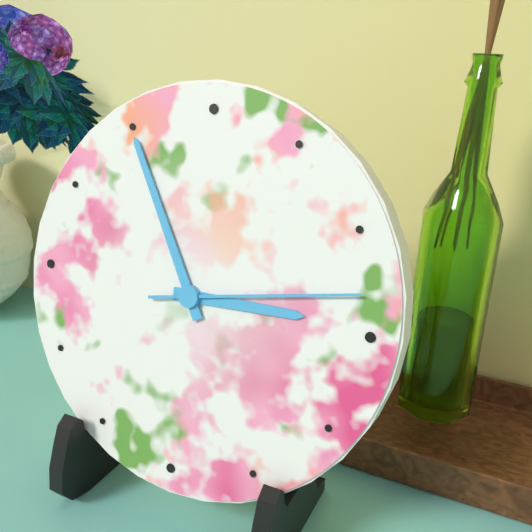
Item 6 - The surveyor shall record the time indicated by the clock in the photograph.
2:55:13
